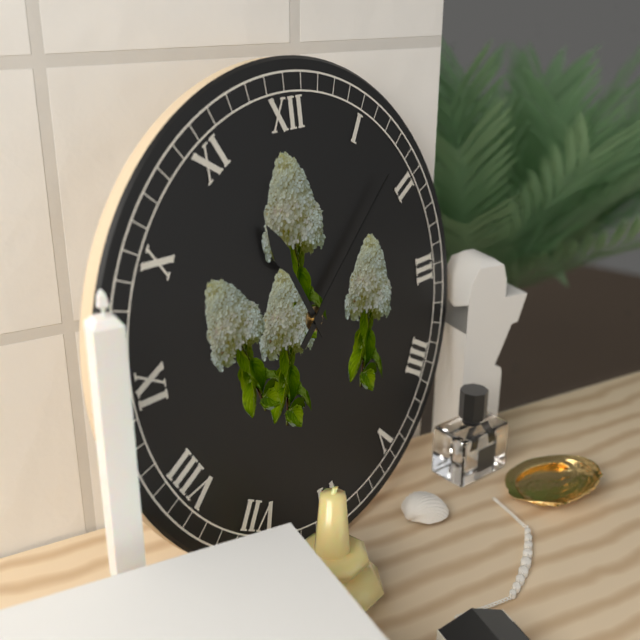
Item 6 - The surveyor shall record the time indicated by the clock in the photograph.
11:08
